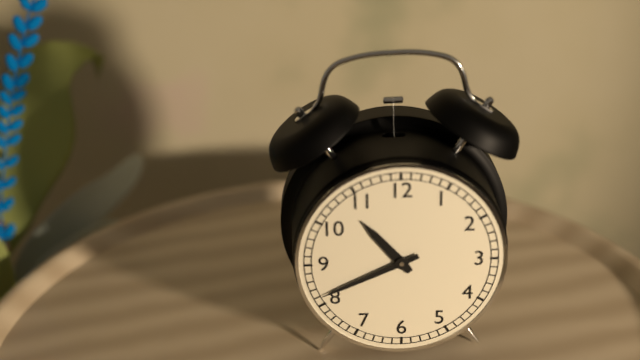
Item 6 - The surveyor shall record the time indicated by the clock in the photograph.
10:41
